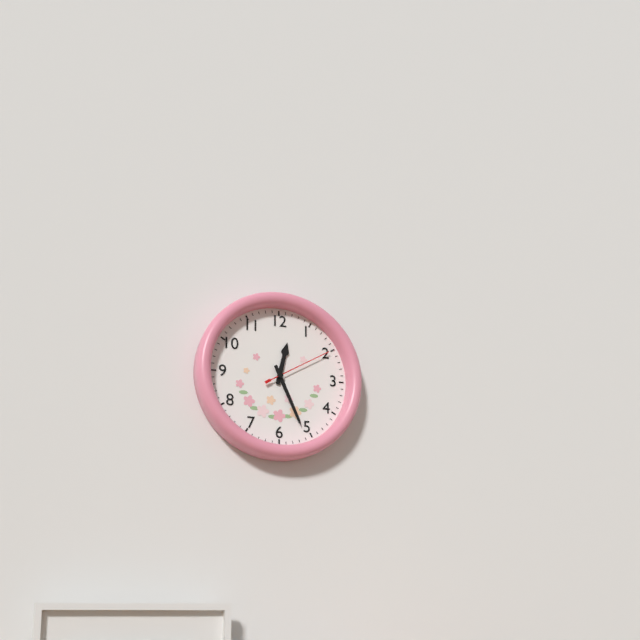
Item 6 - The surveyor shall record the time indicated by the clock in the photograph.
12:26:10
